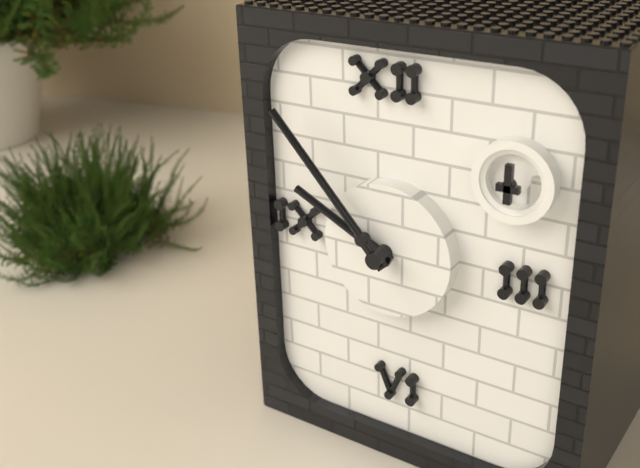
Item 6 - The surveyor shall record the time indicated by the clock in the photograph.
9:53
